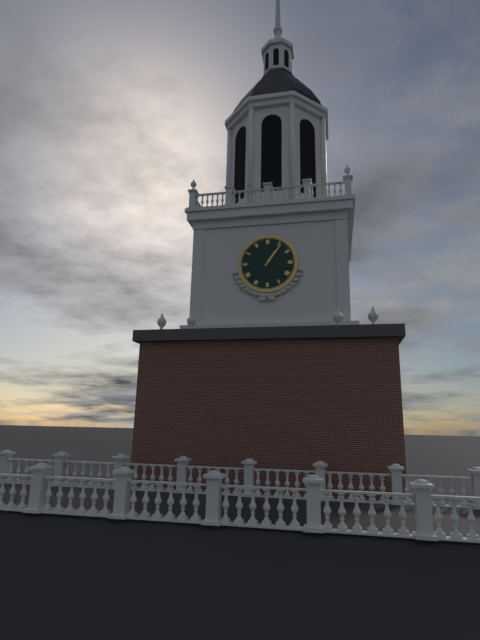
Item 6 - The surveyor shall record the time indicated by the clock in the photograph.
1:06
